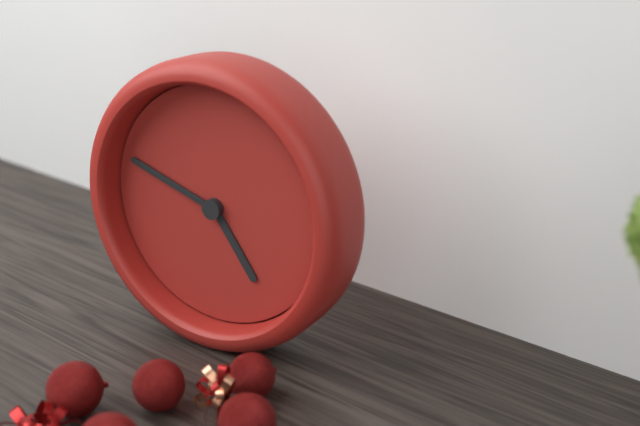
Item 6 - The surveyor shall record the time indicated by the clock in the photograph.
4:48
